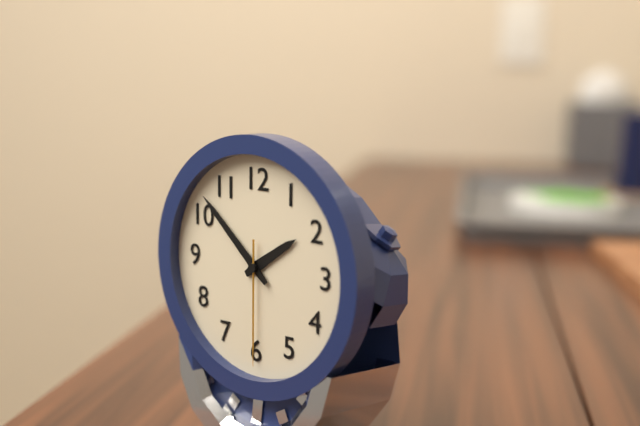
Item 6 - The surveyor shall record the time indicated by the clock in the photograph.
1:52:30
